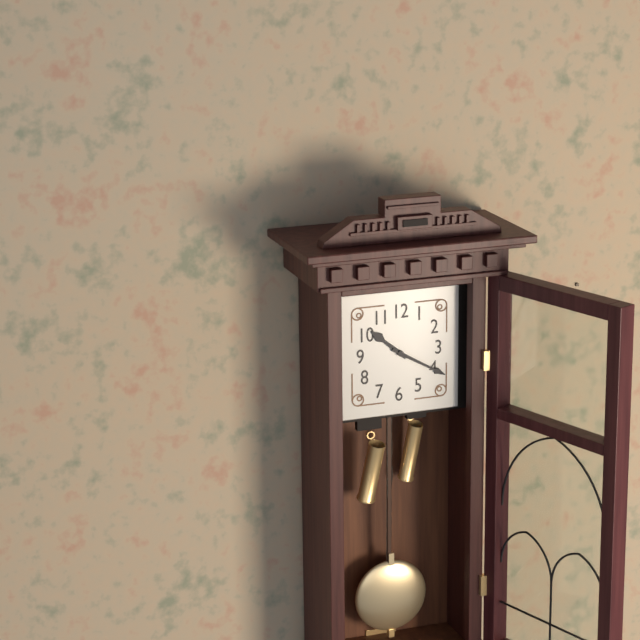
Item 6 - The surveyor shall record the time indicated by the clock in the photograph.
10:20
